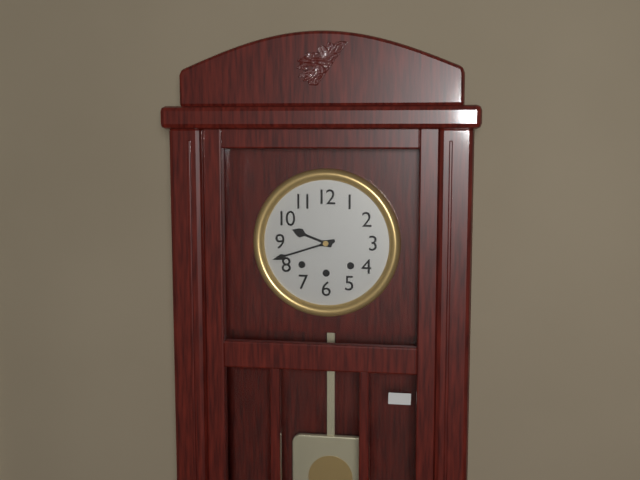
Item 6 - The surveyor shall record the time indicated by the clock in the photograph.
9:42
